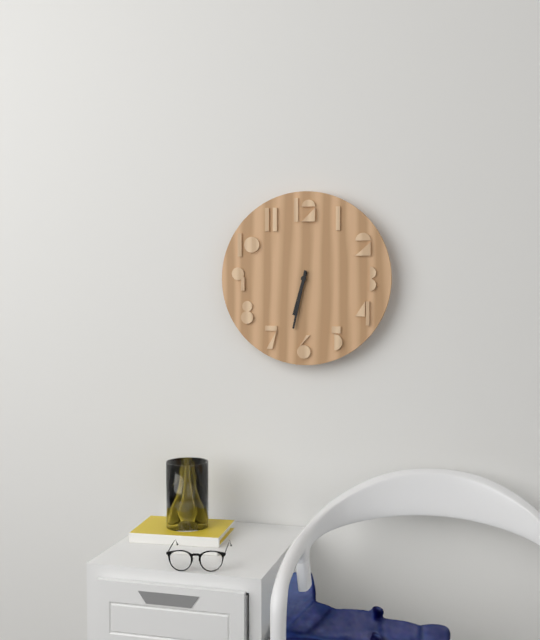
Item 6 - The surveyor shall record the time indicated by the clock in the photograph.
6:32
